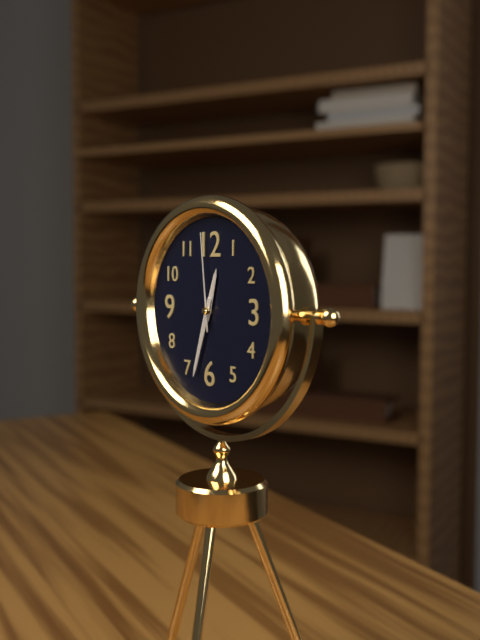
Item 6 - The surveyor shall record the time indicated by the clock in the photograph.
12:33:59
